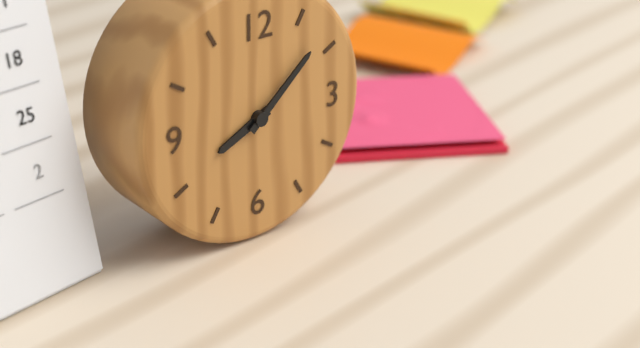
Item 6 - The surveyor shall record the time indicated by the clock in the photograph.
8:08
